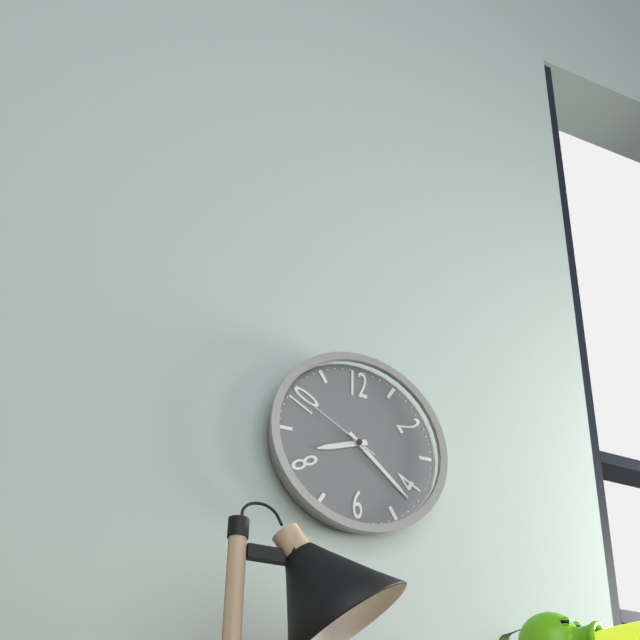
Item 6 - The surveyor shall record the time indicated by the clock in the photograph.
8:22:50
